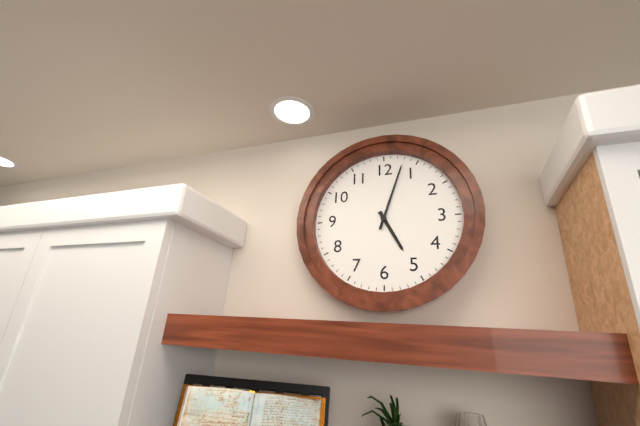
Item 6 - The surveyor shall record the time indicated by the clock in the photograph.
5:03
